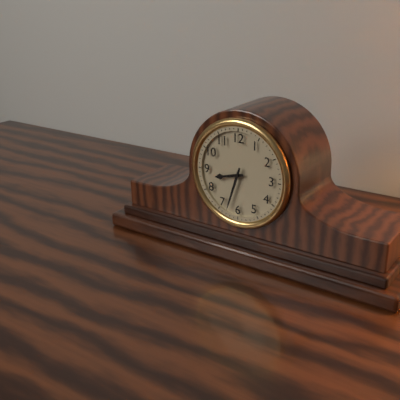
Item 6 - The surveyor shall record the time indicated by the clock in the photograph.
8:33
